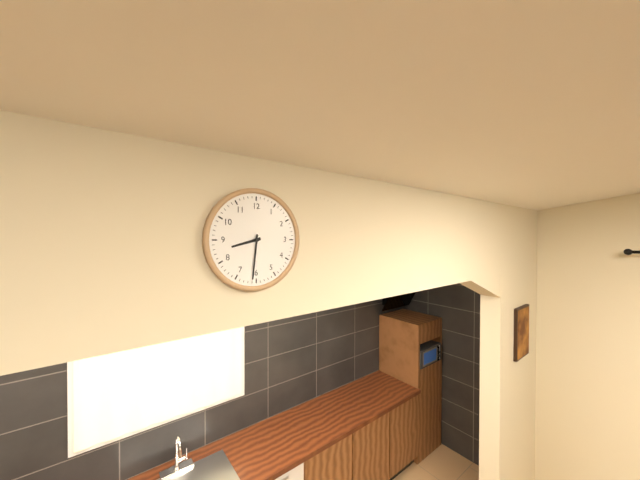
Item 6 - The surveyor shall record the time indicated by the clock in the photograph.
8:31
